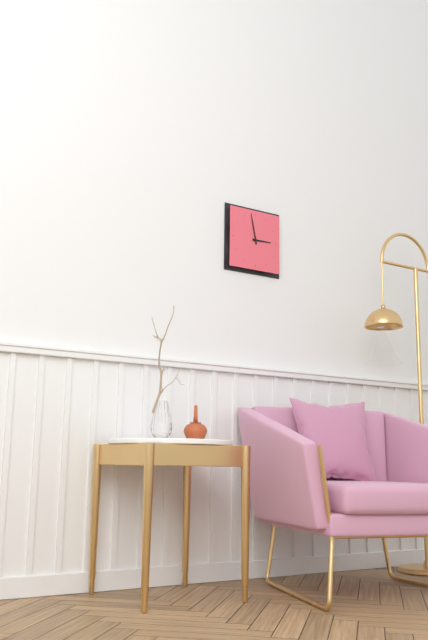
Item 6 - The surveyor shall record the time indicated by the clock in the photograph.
2:58
